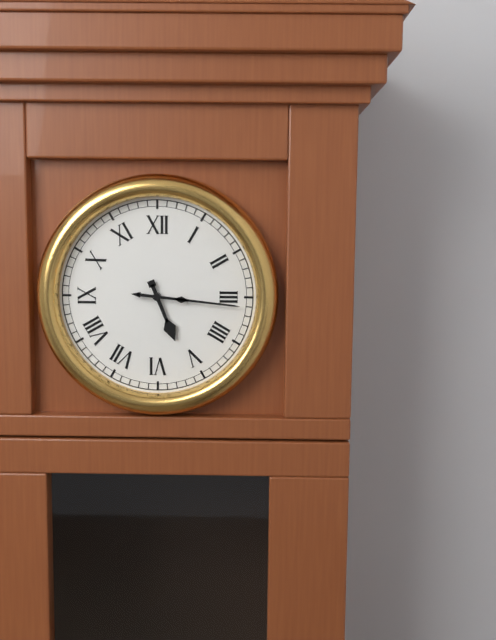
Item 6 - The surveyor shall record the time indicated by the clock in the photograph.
5:16
